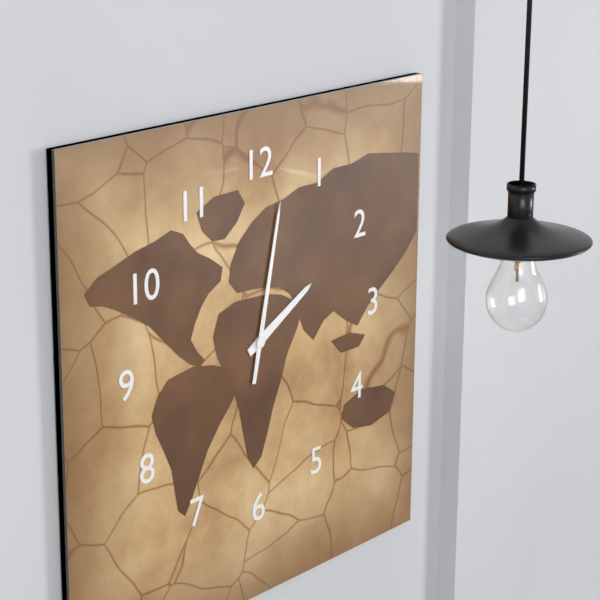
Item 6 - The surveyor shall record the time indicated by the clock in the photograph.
2:02
